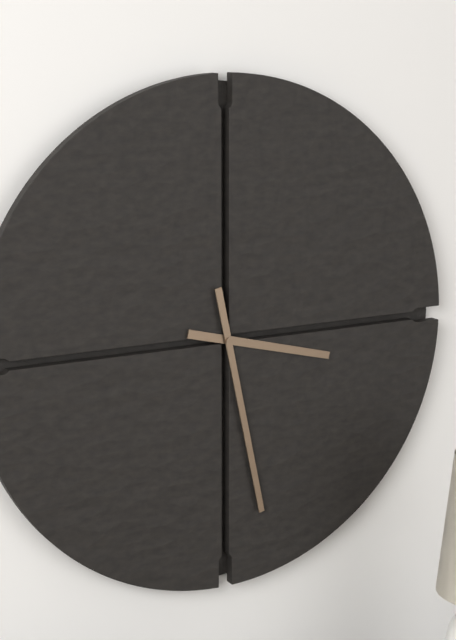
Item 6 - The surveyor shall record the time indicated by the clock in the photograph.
3:28
